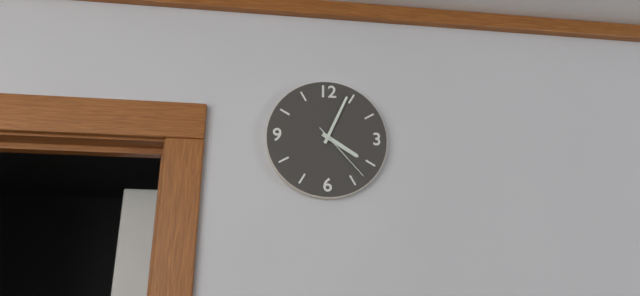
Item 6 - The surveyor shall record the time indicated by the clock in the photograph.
4:04:23
